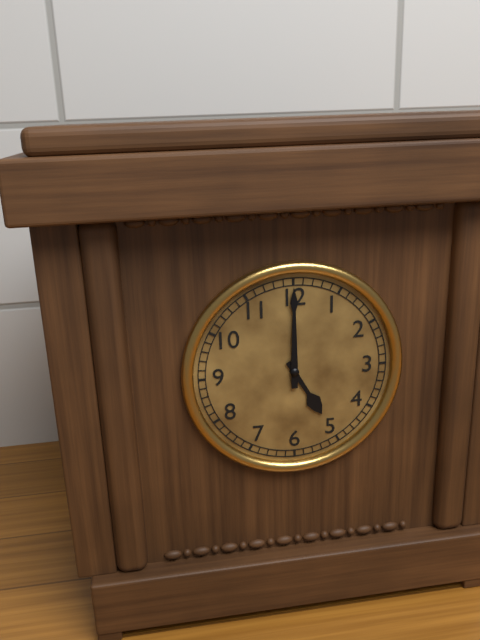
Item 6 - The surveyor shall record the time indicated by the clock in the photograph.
5:00
